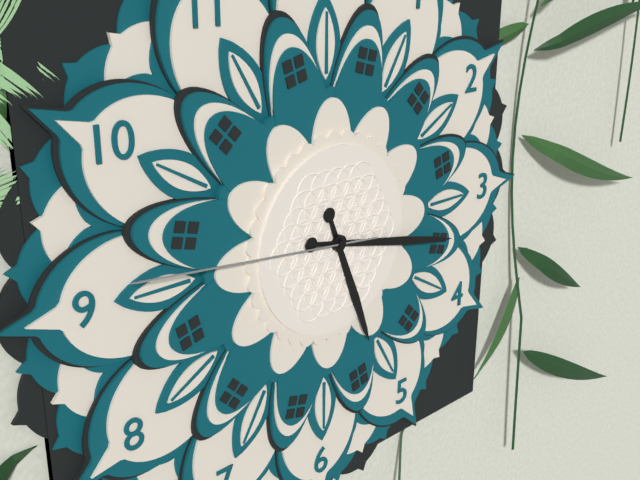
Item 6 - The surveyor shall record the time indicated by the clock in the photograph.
5:17:46
